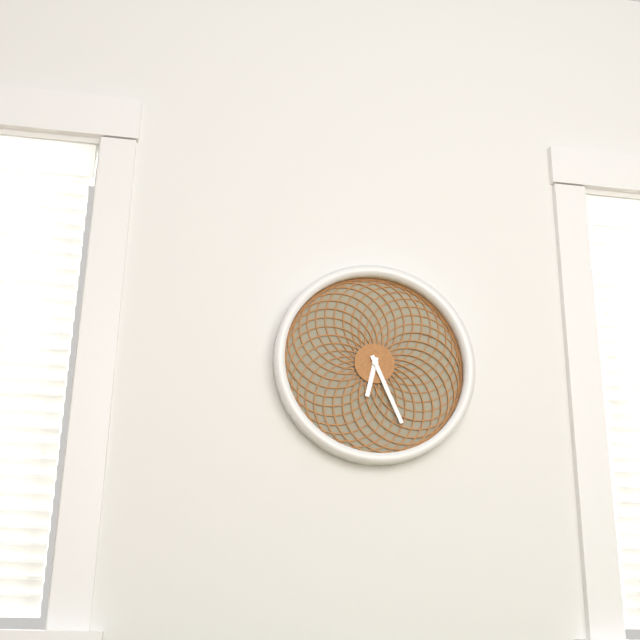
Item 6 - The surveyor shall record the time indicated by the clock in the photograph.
6:26
